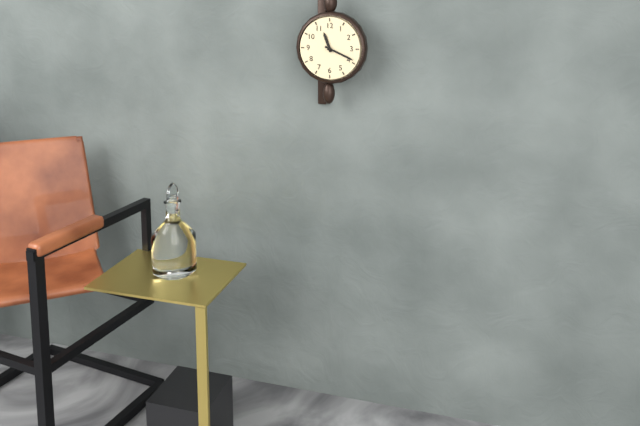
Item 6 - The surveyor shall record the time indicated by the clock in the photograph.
11:19
